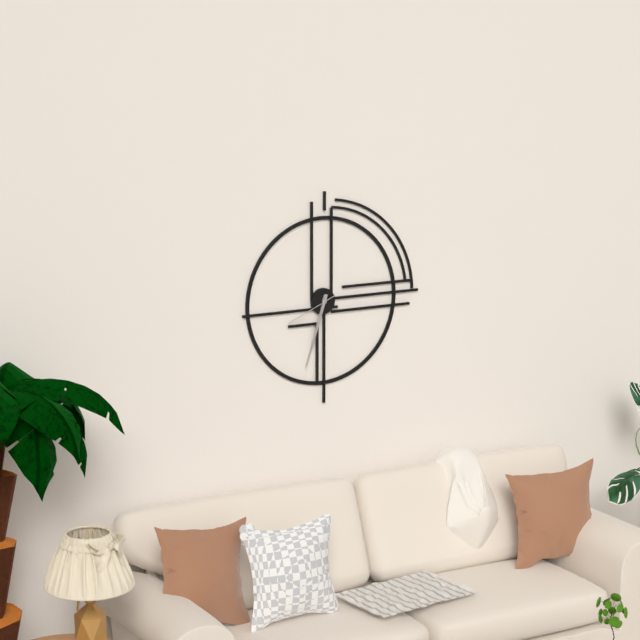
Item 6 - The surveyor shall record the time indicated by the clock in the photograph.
6:33:41
